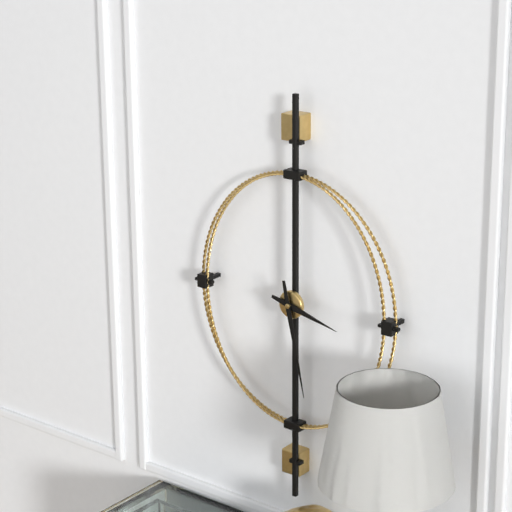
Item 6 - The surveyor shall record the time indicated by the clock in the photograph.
3:28
